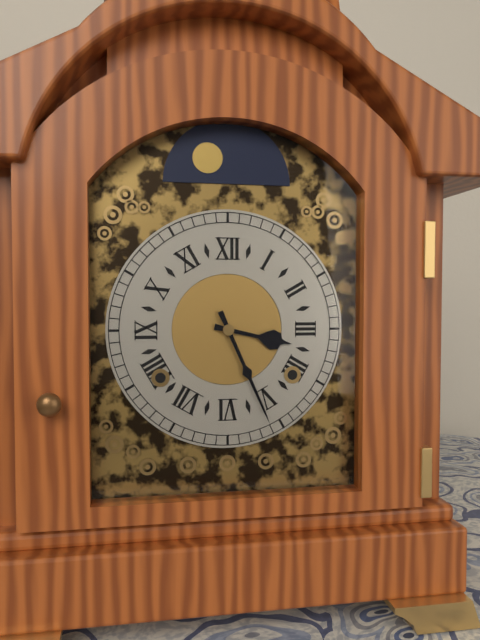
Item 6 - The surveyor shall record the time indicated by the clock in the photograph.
3:26
